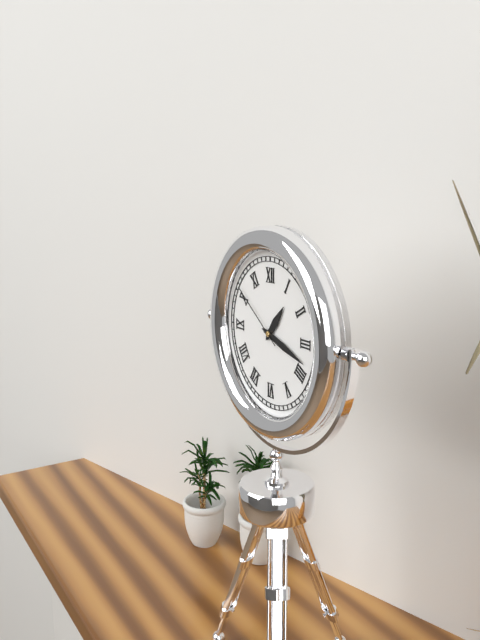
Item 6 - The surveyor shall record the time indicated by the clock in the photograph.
1:18:51
